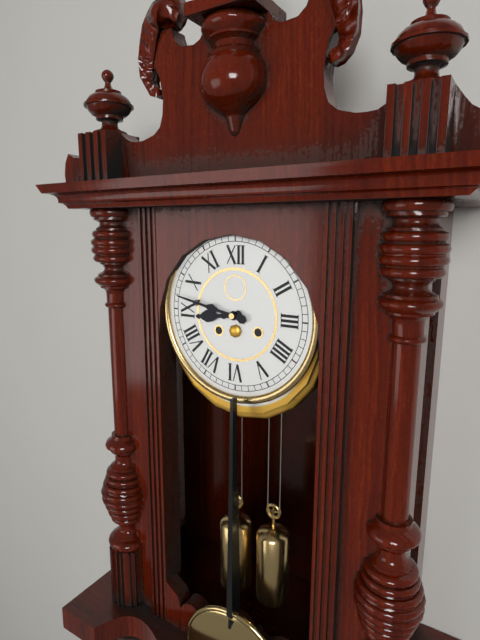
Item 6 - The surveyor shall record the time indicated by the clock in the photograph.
8:47
